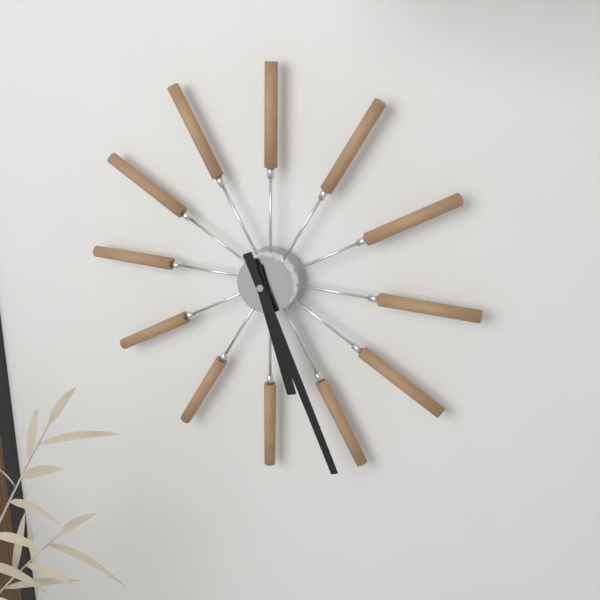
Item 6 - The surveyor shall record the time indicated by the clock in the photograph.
5:26
